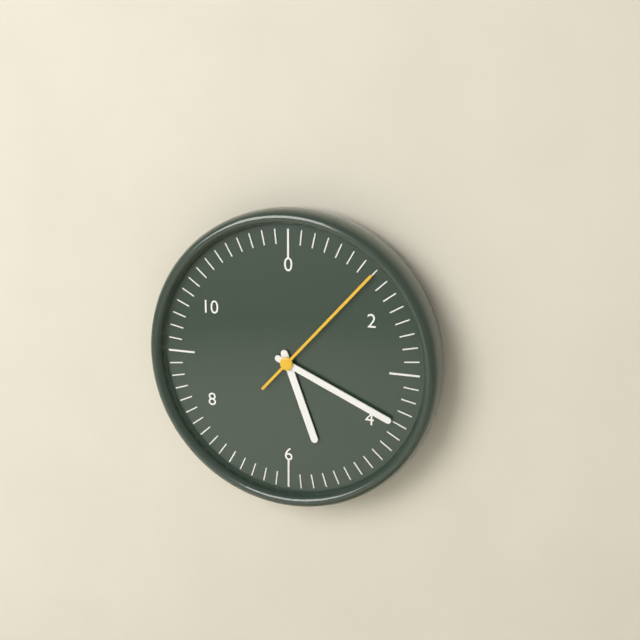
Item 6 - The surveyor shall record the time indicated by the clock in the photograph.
5:19:07
